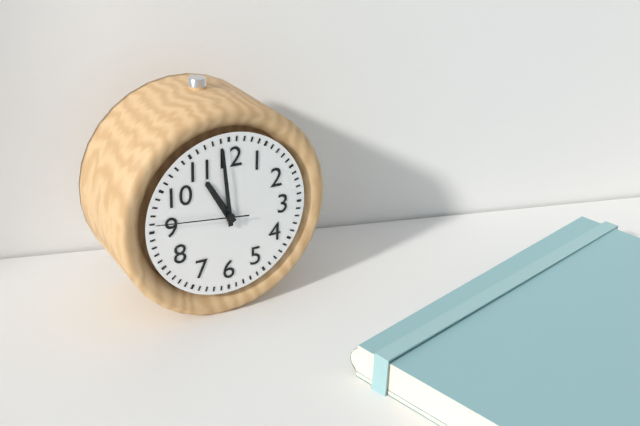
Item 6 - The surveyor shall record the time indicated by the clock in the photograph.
10:59:46
